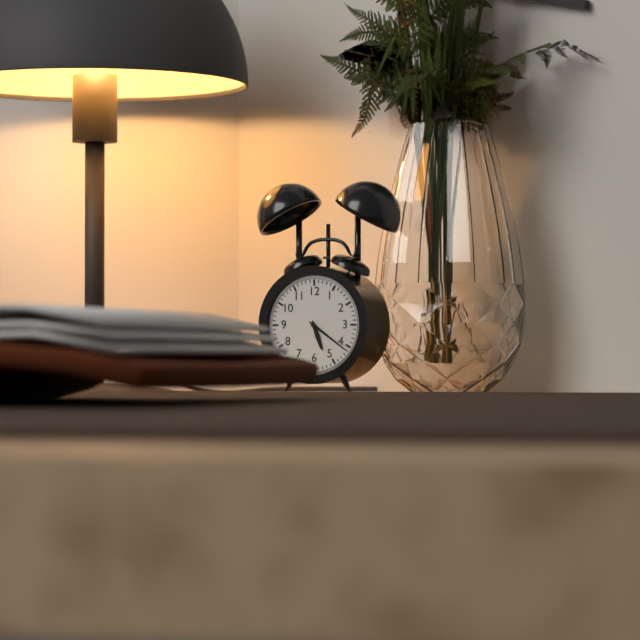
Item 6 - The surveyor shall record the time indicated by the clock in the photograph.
5:21
